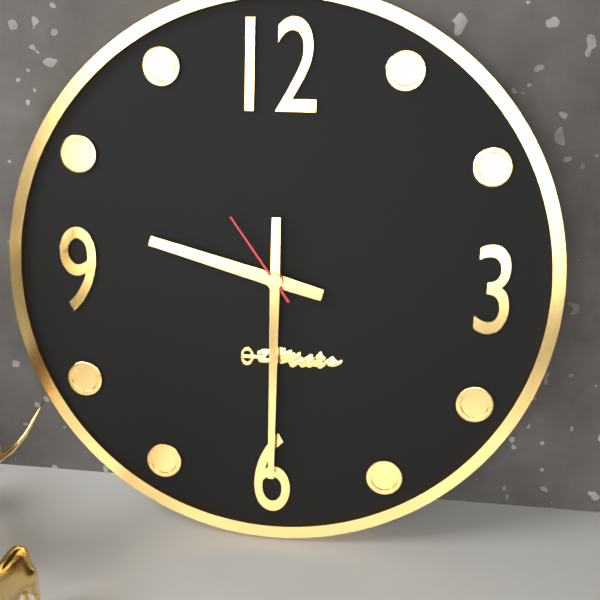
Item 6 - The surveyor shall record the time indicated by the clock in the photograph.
9:30:54
